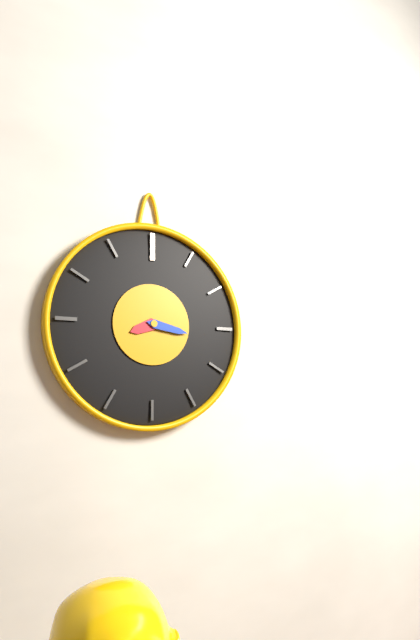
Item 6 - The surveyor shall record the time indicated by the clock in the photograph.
8:17
